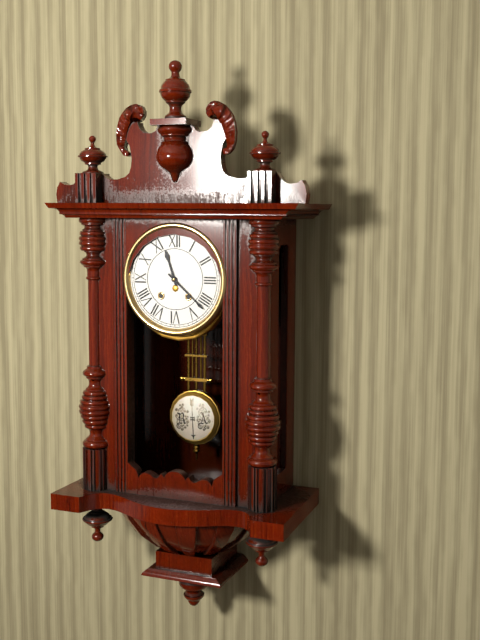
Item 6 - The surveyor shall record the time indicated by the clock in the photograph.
11:22
